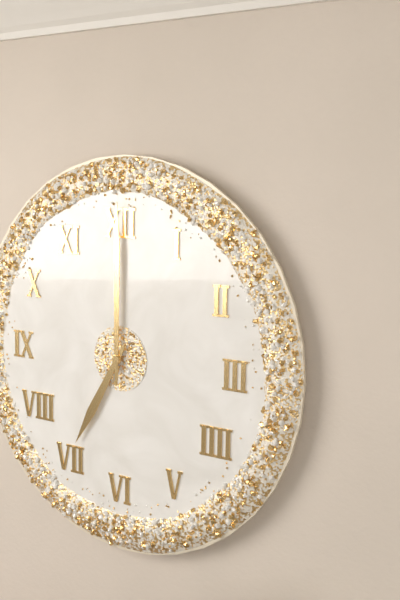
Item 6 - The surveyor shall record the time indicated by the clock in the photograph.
7:00
